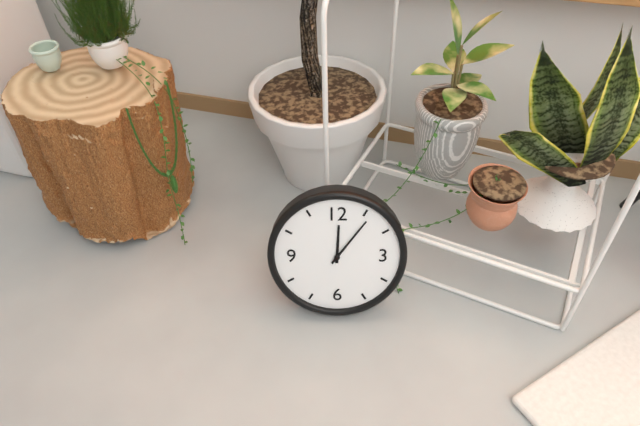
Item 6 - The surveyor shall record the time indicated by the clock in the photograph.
12:06
